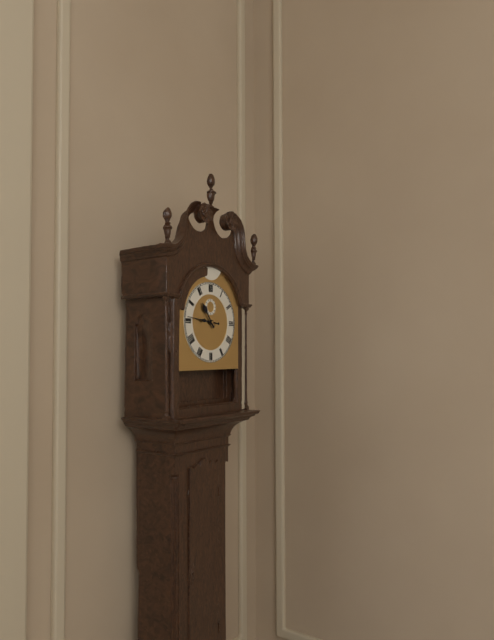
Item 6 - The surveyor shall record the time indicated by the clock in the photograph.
10:46
